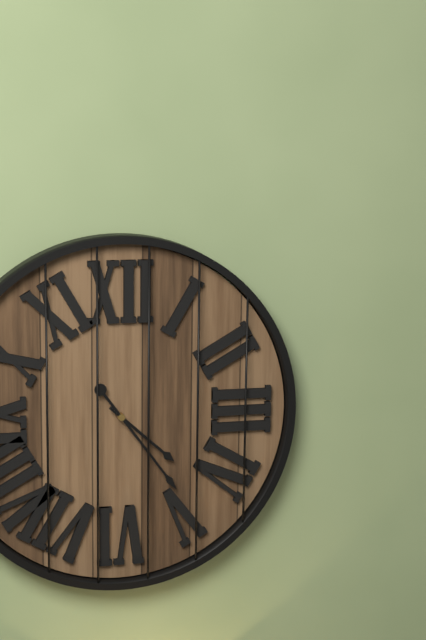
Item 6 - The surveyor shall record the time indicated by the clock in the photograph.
4:24
